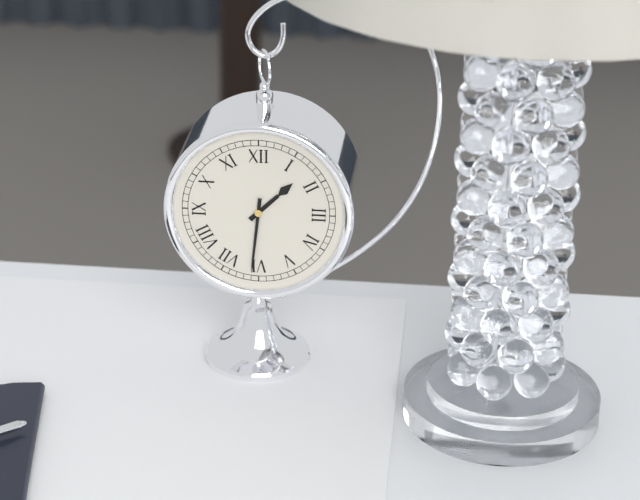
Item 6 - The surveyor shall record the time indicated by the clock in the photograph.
1:31
